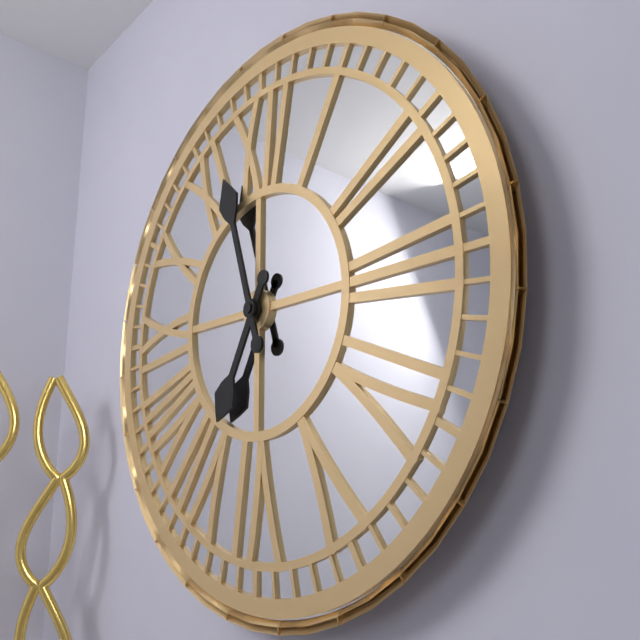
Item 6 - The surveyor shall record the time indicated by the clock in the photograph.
6:57
